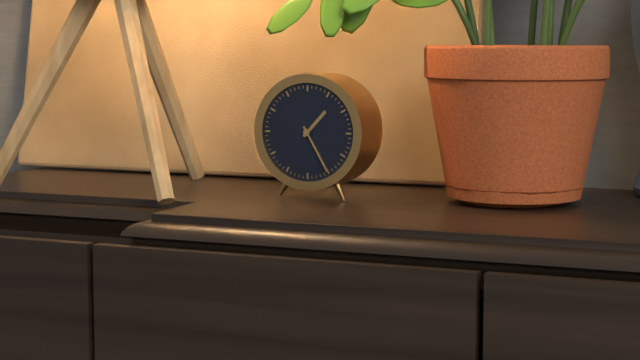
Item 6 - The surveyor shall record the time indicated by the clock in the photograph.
1:25
